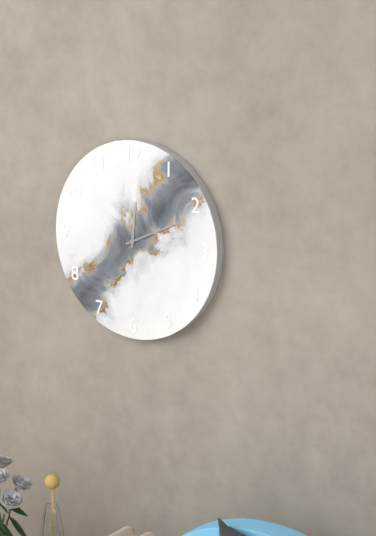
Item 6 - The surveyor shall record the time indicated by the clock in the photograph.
12:11
